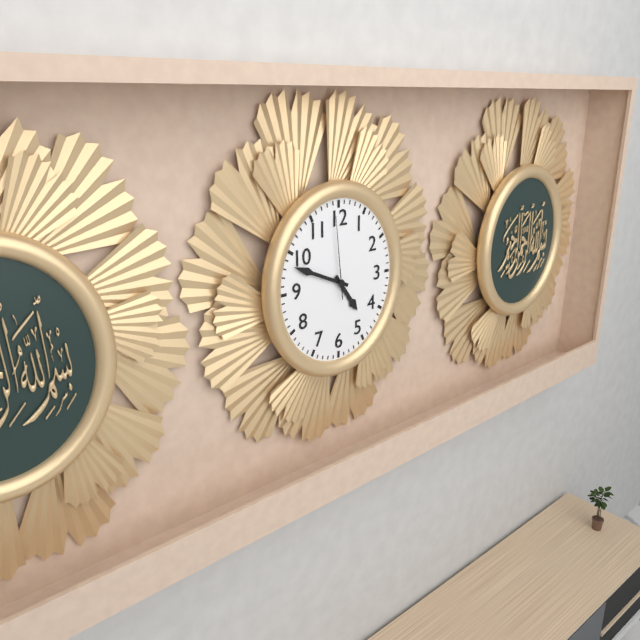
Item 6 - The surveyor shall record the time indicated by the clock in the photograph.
4:49:59
